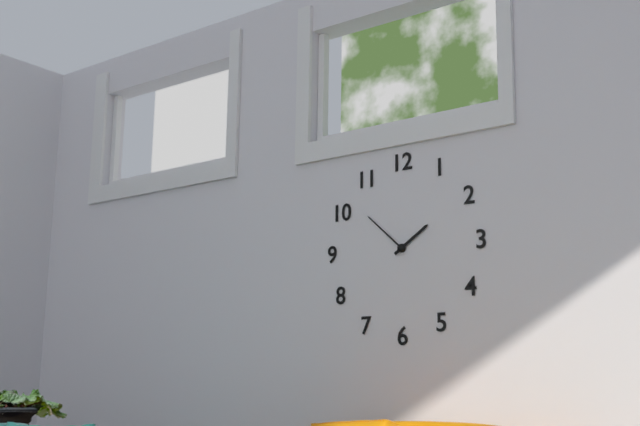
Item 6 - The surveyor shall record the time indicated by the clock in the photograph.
1:52
